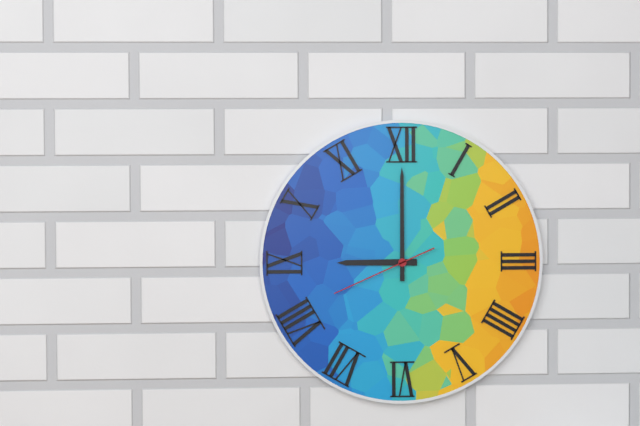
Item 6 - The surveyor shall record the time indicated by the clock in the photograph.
9:00:41
